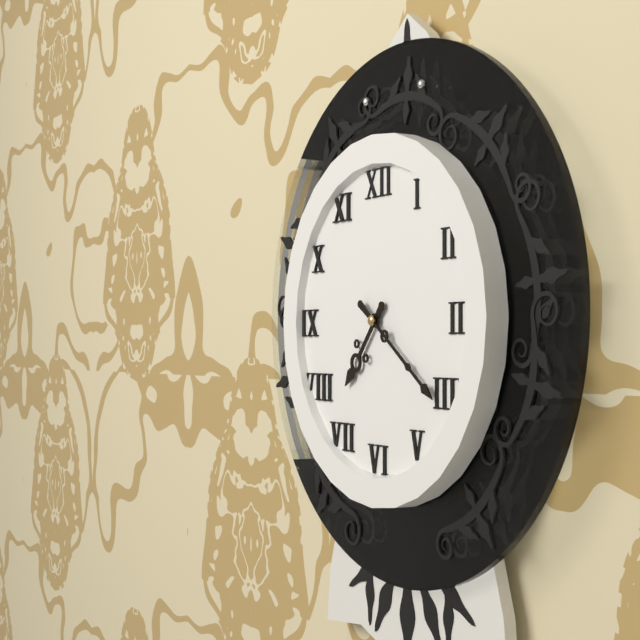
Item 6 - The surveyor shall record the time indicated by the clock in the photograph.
7:21
